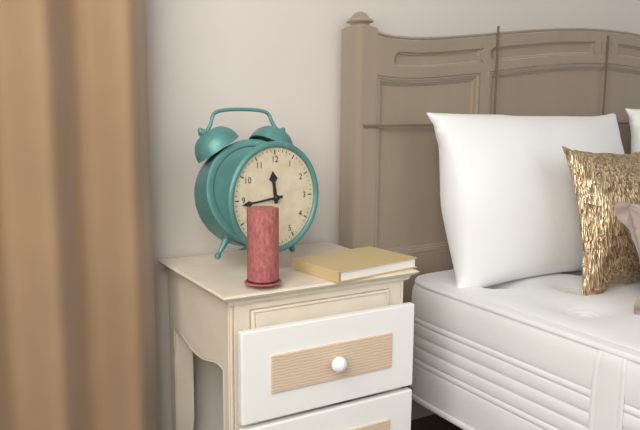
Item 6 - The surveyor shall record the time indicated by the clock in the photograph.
11:44
